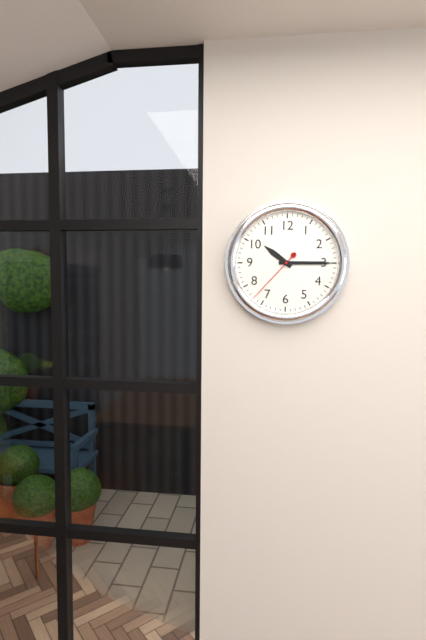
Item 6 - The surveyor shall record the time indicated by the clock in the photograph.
10:15:37
